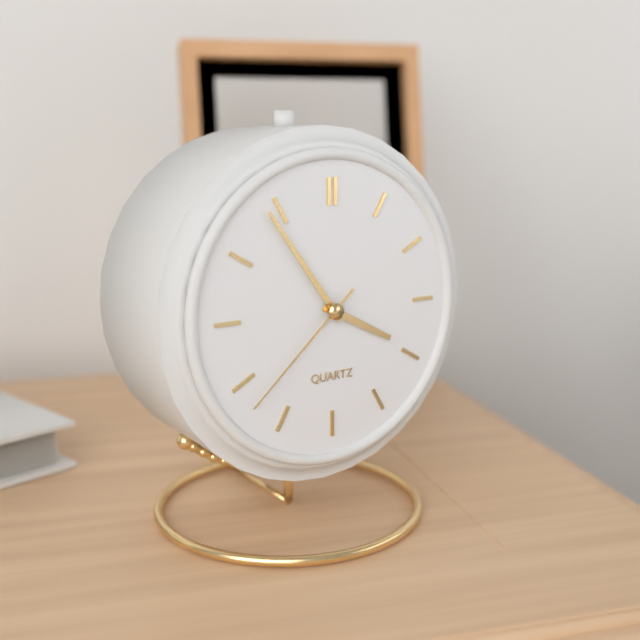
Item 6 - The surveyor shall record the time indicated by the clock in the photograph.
3:54:38
